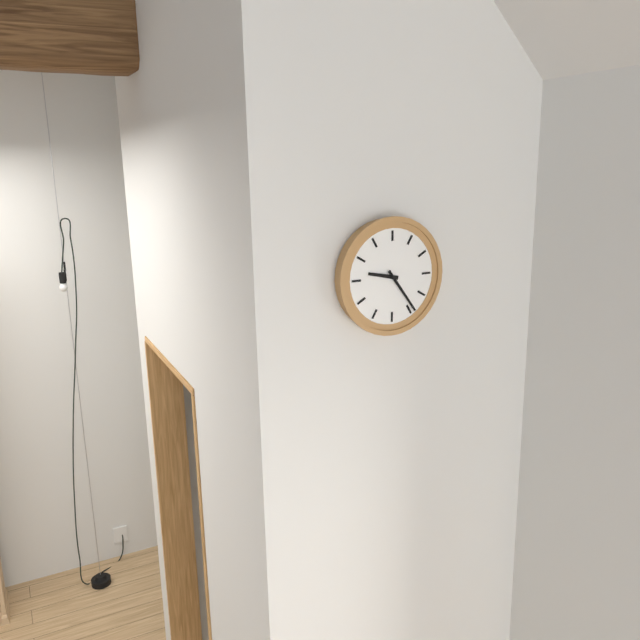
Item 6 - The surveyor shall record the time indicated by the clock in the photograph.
9:24
